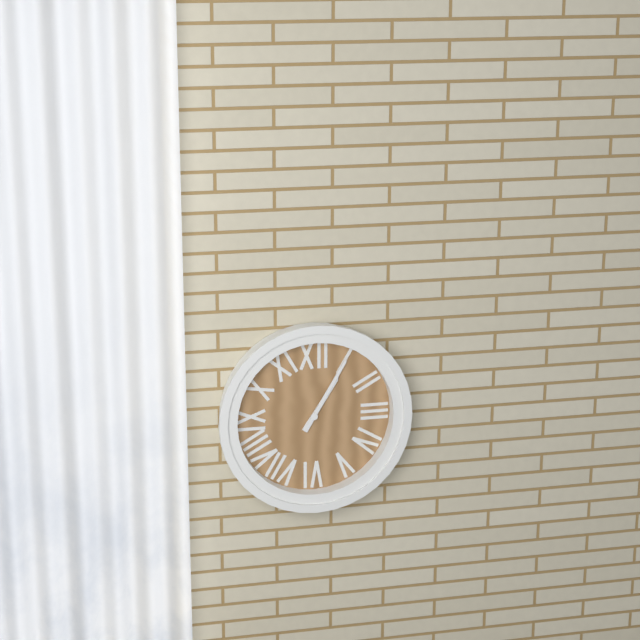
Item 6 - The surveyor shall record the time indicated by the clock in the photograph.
1:05
